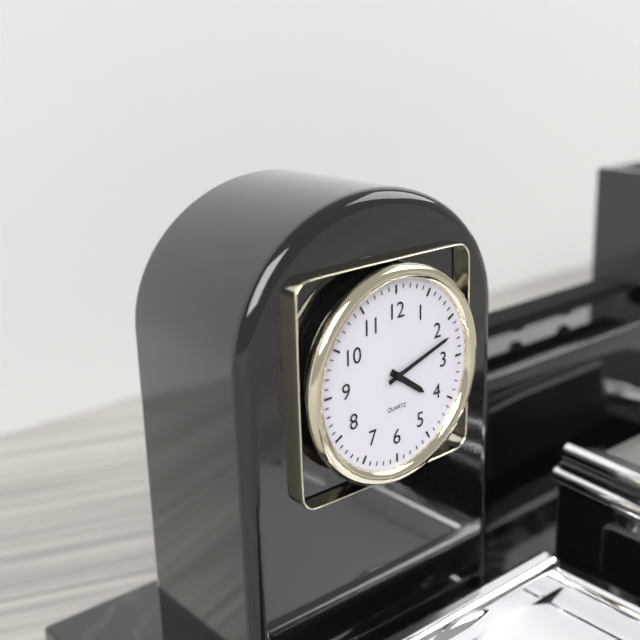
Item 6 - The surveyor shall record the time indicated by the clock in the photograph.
4:12
